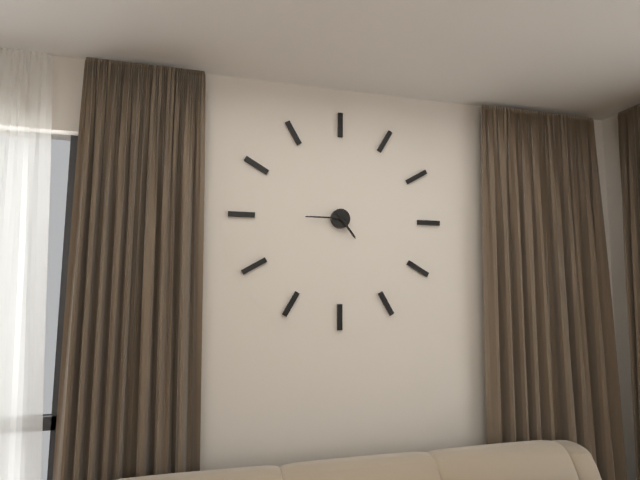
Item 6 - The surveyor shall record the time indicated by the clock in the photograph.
4:45
